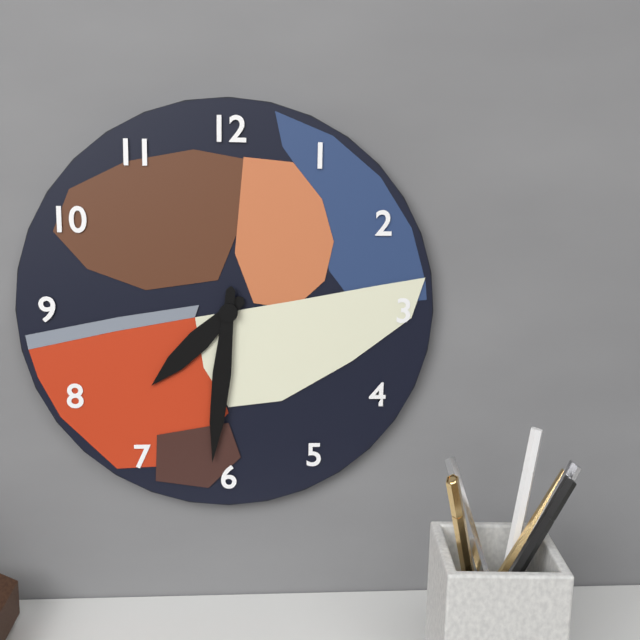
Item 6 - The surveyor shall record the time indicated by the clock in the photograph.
7:31
